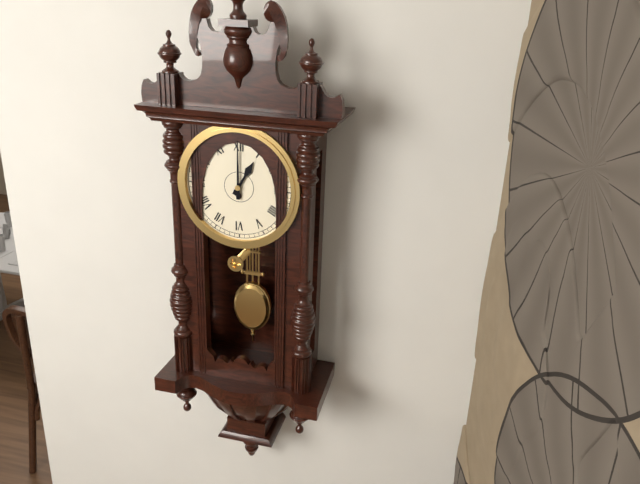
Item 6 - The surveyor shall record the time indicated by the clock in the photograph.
1:00
